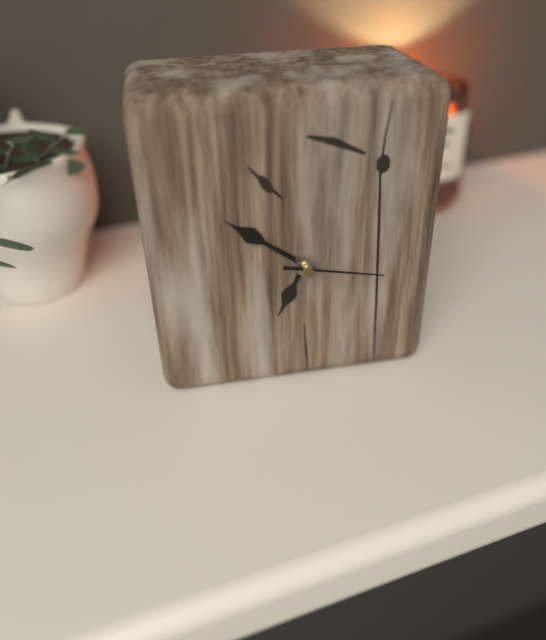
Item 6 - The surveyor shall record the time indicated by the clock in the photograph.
6:51:17
